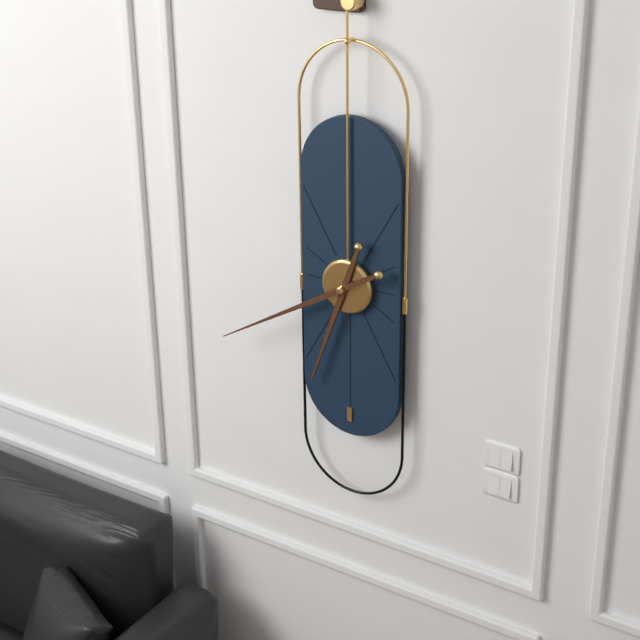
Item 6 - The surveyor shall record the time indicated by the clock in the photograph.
6:40
